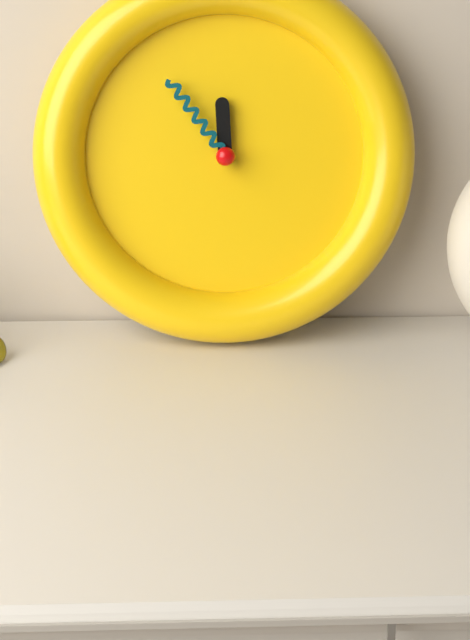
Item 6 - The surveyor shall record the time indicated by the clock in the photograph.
11:54
